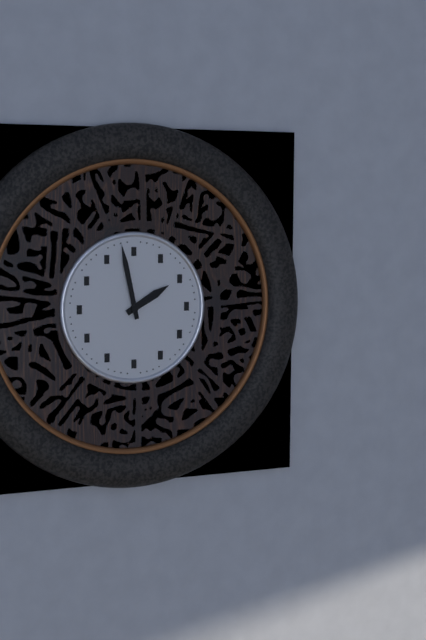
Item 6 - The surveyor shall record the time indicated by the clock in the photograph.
1:58
